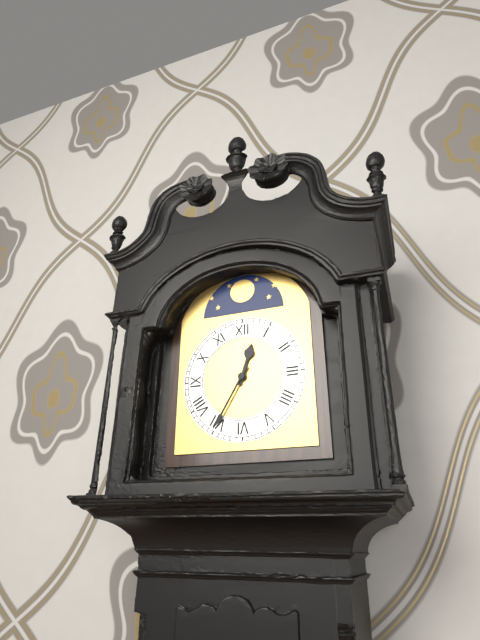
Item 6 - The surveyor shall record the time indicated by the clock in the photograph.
12:35
